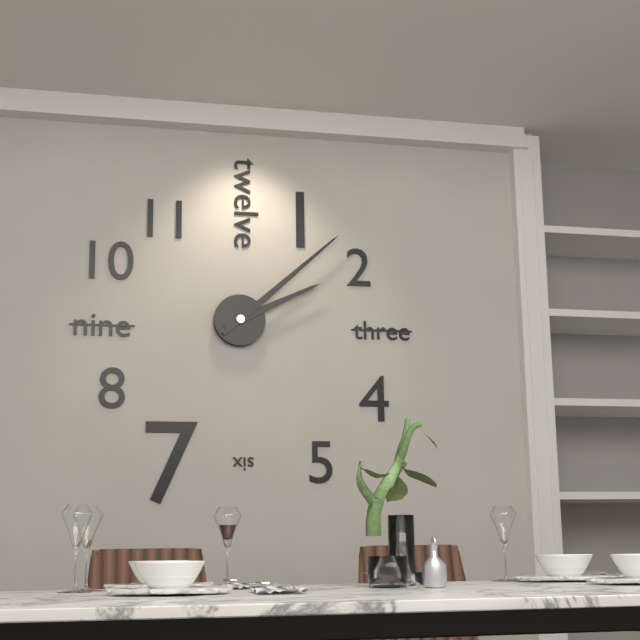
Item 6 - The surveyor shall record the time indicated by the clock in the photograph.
2:08
